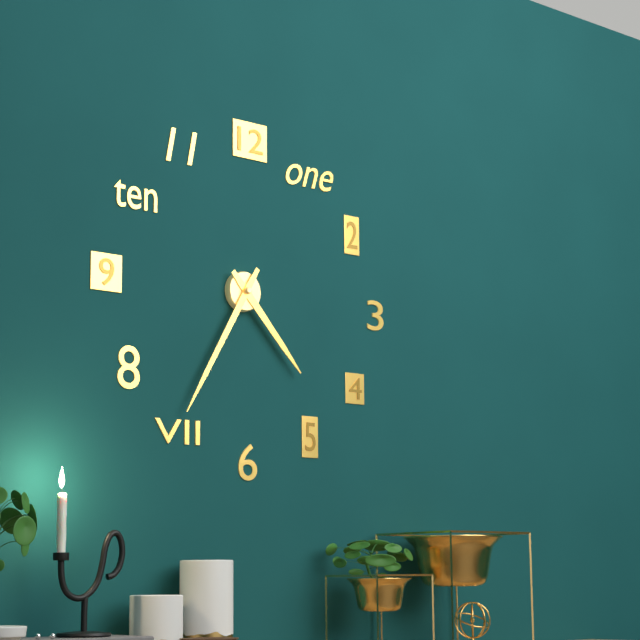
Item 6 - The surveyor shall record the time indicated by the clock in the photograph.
4:35
